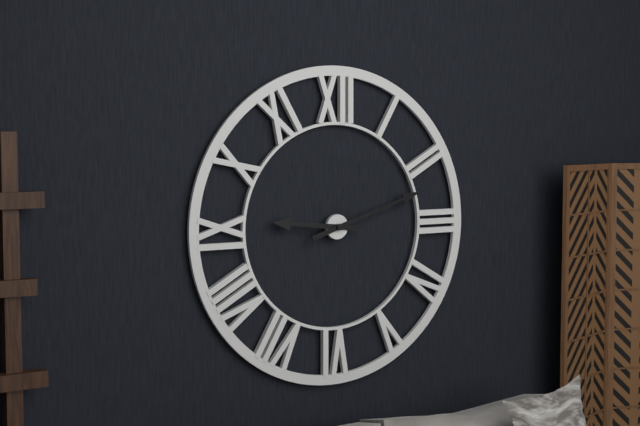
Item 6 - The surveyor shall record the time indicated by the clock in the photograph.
9:12
